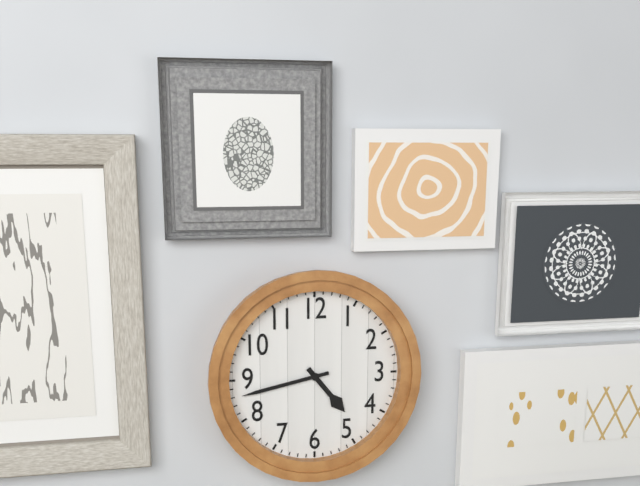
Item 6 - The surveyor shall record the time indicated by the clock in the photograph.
4:43
